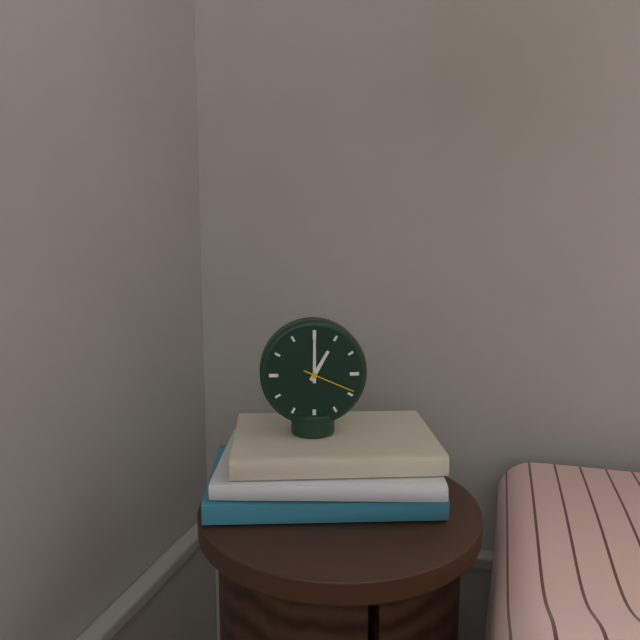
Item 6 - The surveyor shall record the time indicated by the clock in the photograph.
1:00:19
